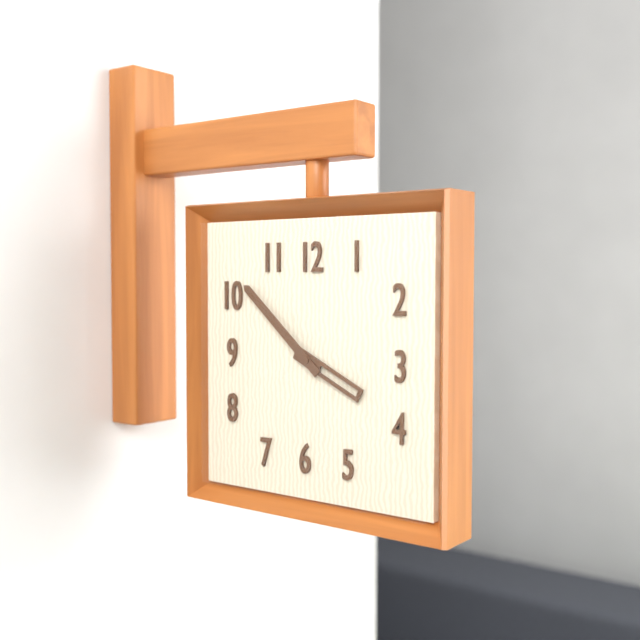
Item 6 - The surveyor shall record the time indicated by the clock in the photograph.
3:52
